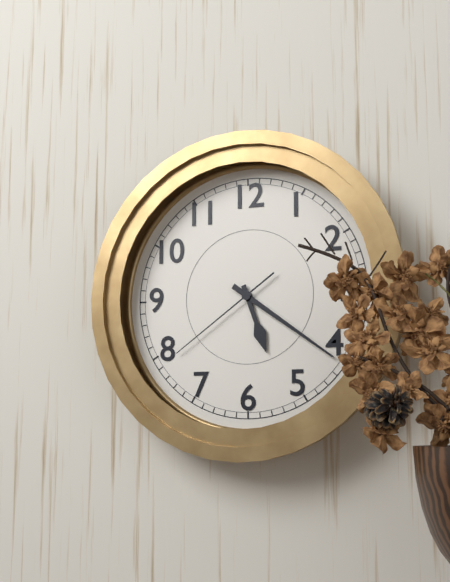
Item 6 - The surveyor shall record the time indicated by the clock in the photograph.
5:21:39
